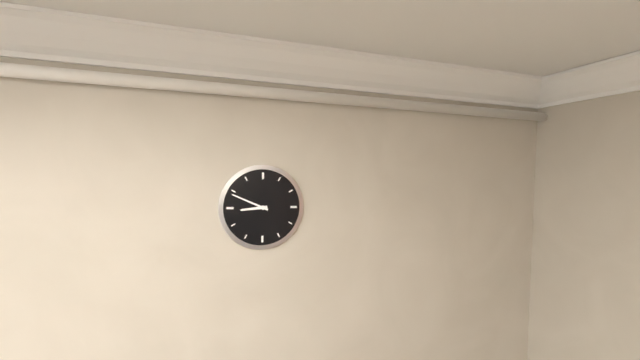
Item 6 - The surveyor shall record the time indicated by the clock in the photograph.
8:49
